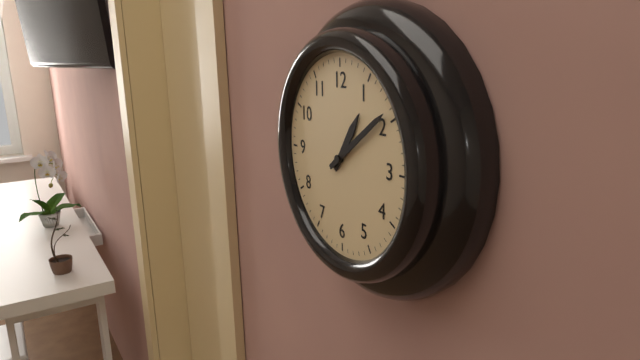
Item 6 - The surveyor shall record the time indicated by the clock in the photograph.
1:09
